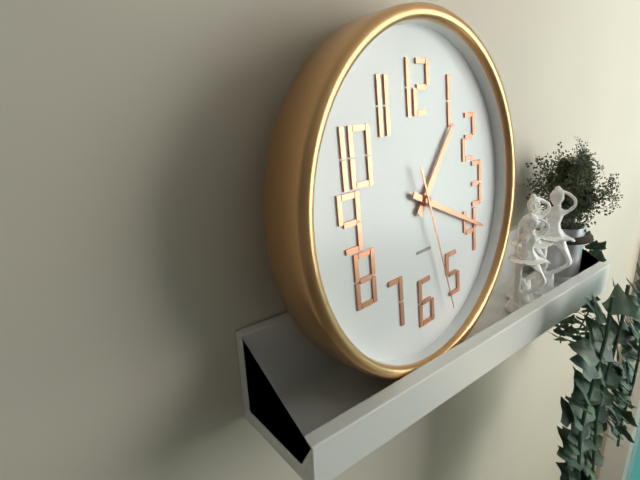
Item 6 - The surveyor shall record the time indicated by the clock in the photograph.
1:19:27
